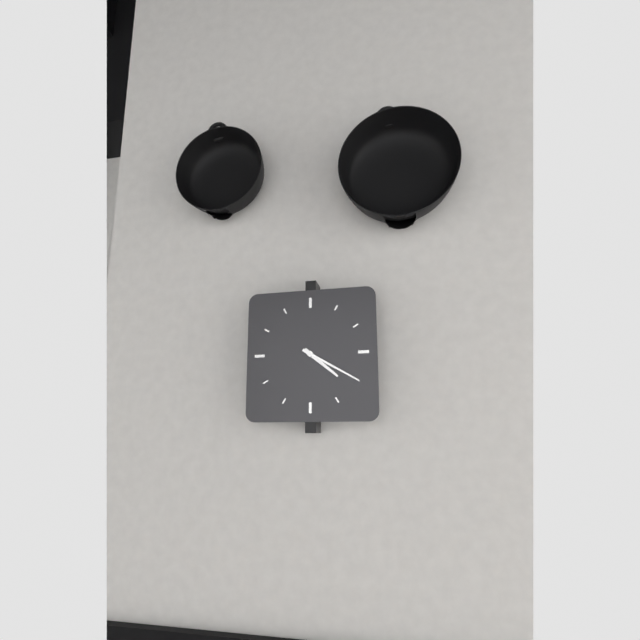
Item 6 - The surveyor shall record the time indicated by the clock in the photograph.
4:20
